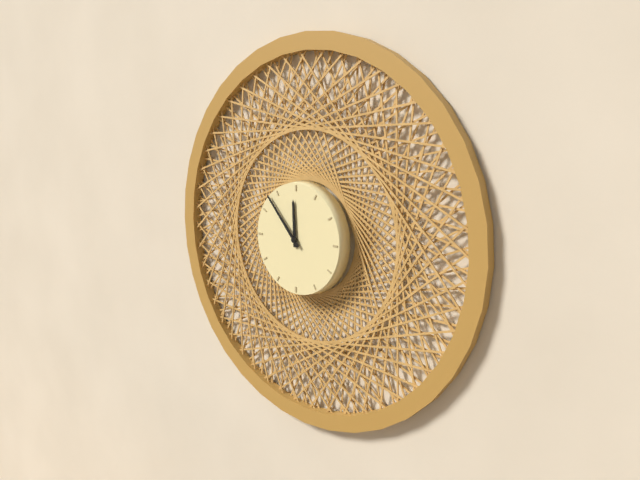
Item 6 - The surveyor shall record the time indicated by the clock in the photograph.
11:53
